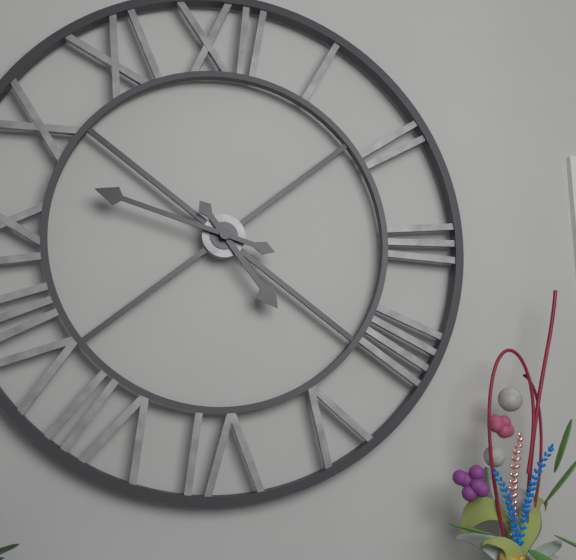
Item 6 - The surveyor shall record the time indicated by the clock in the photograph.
4:48
